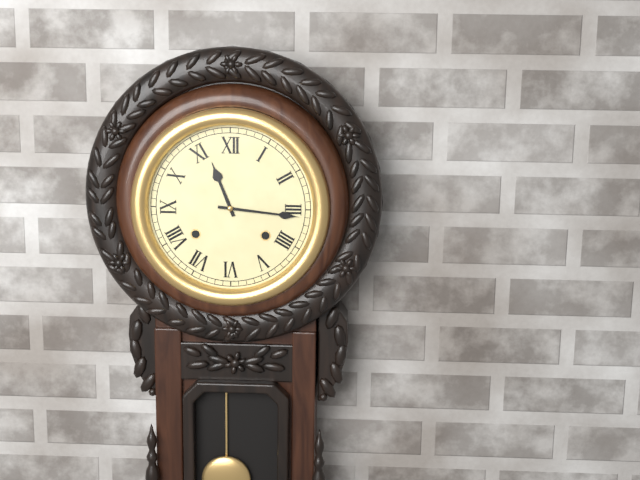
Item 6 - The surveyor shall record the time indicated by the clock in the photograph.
11:16
